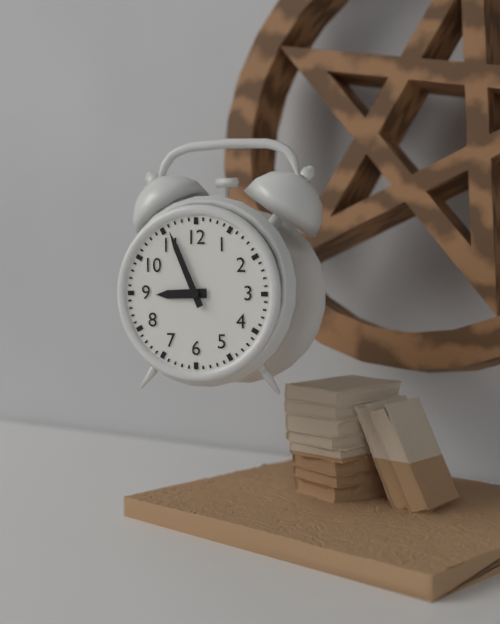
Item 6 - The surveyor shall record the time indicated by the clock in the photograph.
8:56
